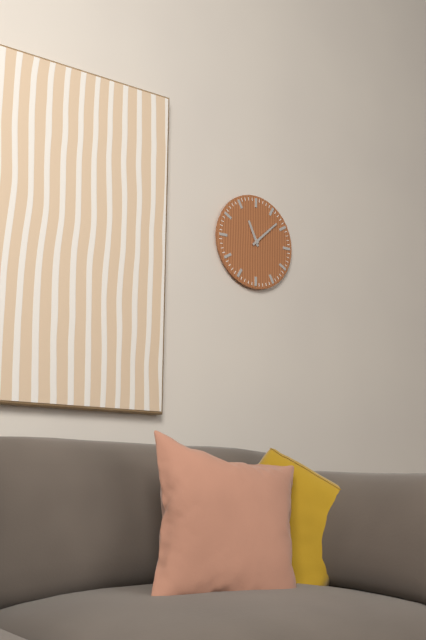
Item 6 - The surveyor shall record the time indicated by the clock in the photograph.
11:08
